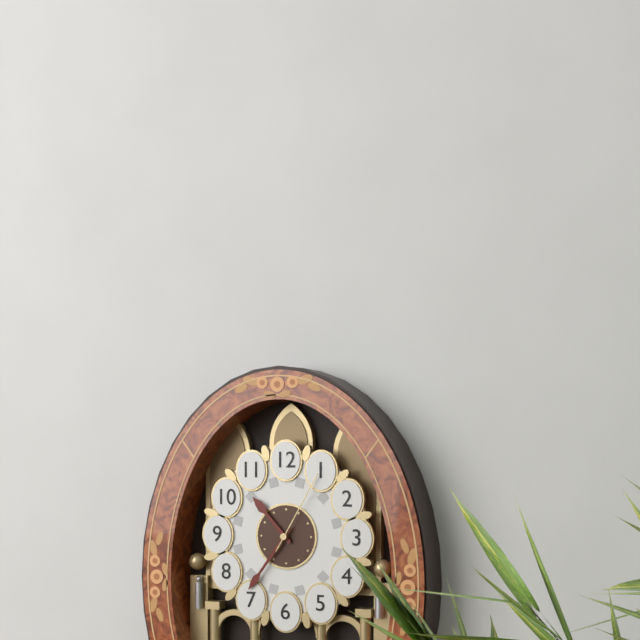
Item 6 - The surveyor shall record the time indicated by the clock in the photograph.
10:36:05
